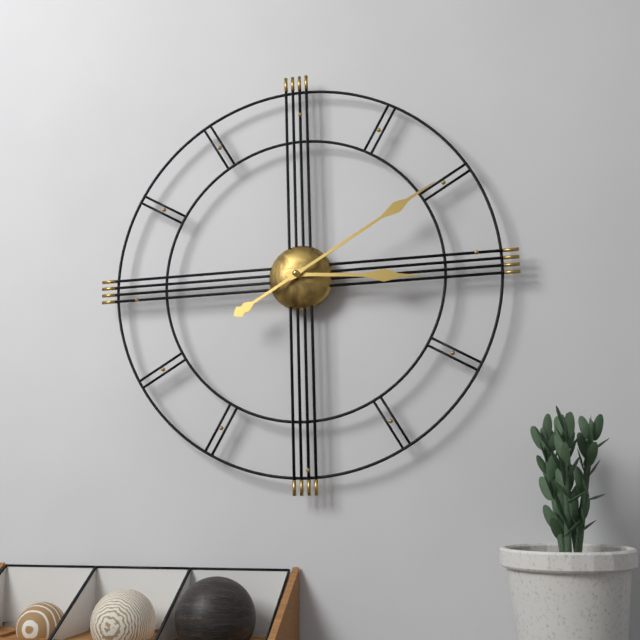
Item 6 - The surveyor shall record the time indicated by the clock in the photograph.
3:10
